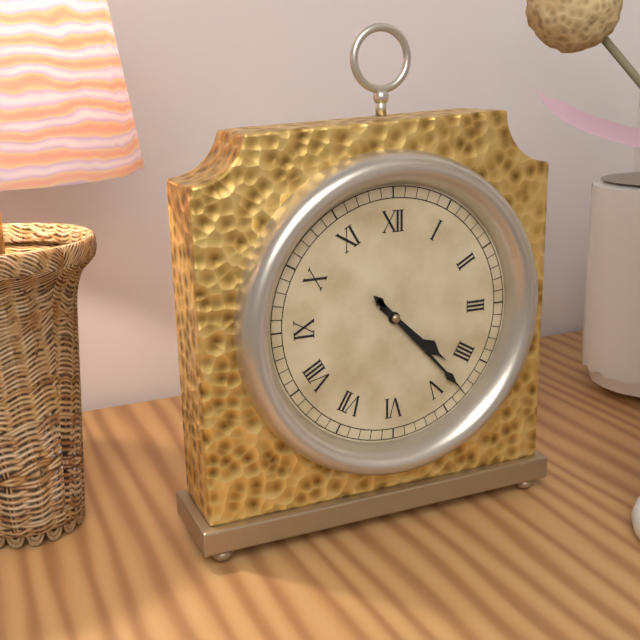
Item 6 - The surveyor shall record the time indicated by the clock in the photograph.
4:23
